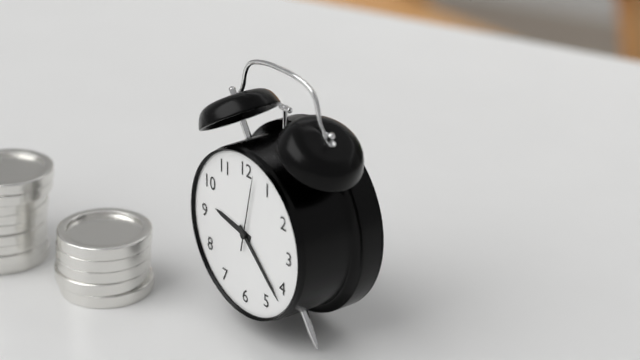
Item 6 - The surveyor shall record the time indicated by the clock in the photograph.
9:22:02
